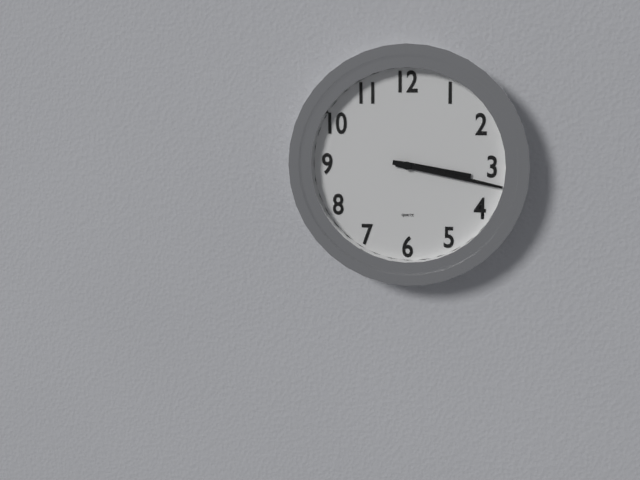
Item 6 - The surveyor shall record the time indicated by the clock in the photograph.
3:17
